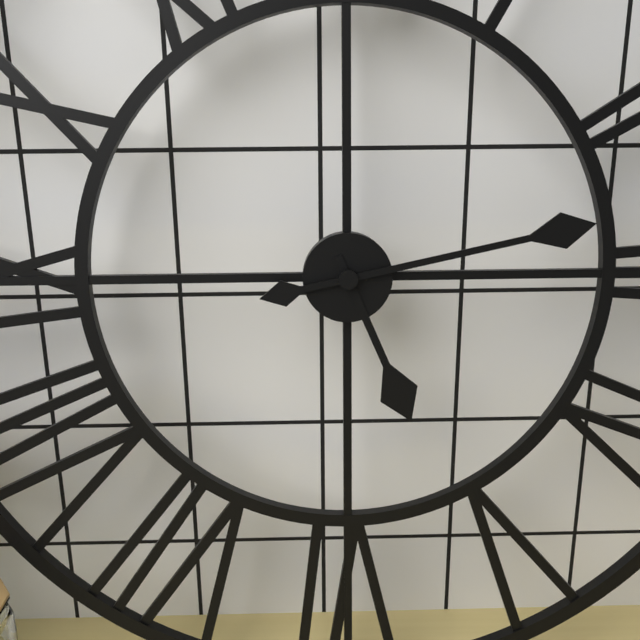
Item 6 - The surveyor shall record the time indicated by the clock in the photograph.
5:13
